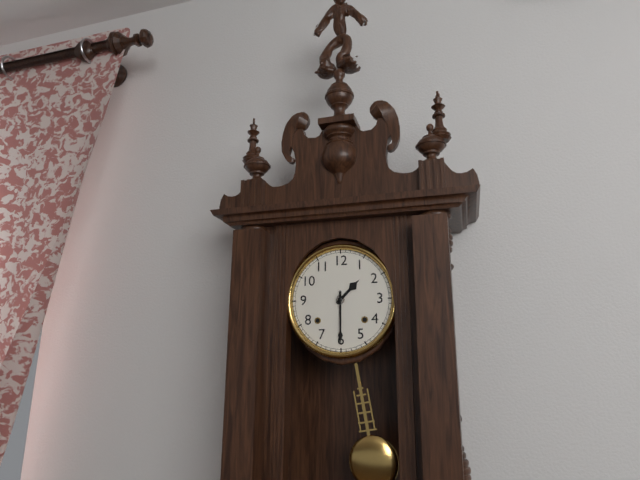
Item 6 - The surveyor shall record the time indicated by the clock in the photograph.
1:30
